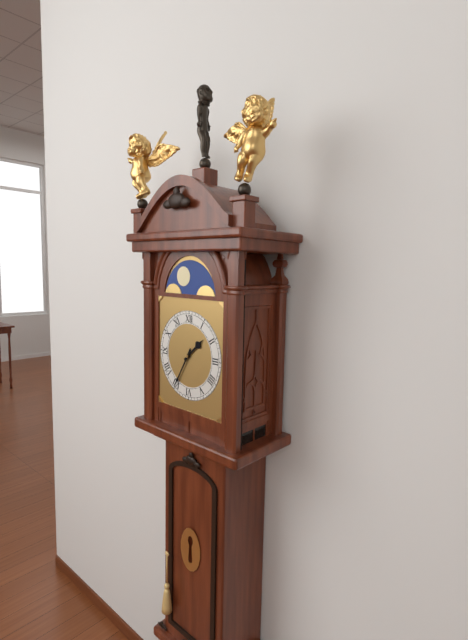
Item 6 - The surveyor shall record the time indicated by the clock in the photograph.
1:35
